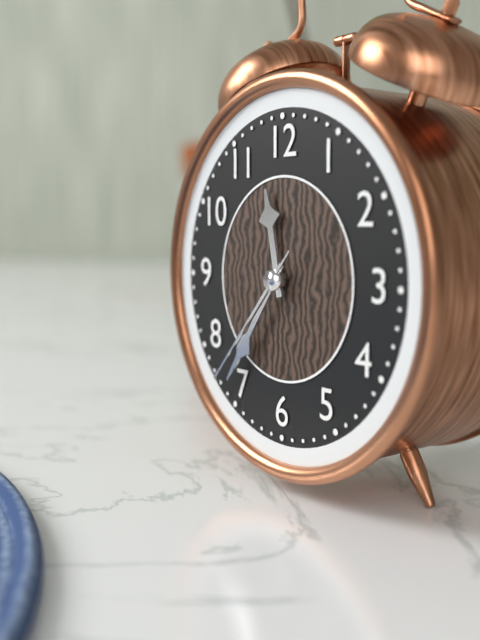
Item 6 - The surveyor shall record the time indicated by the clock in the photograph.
11:36:37
